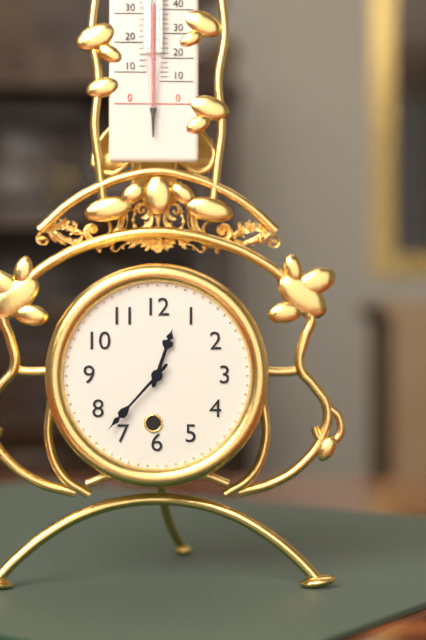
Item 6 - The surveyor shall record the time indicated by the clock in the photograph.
12:37
